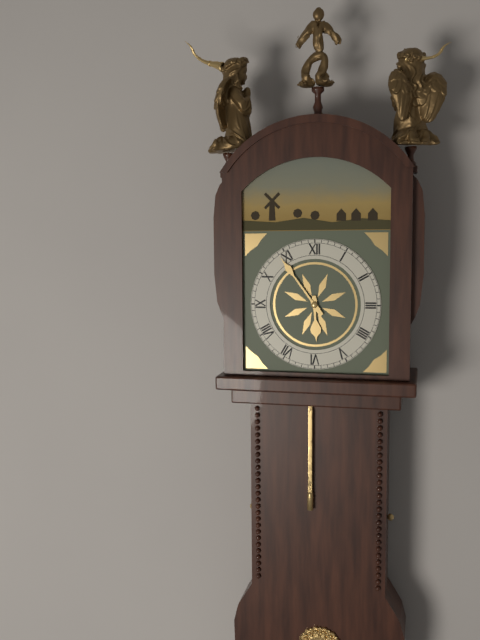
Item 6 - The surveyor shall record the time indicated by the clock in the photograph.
5:54
